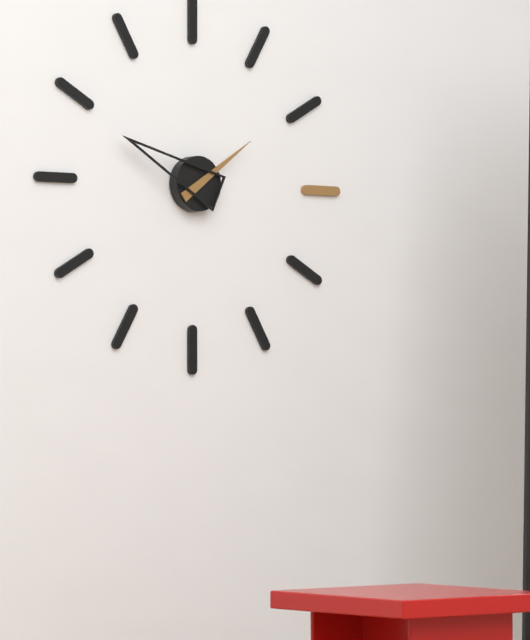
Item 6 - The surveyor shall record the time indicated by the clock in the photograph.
1:49
